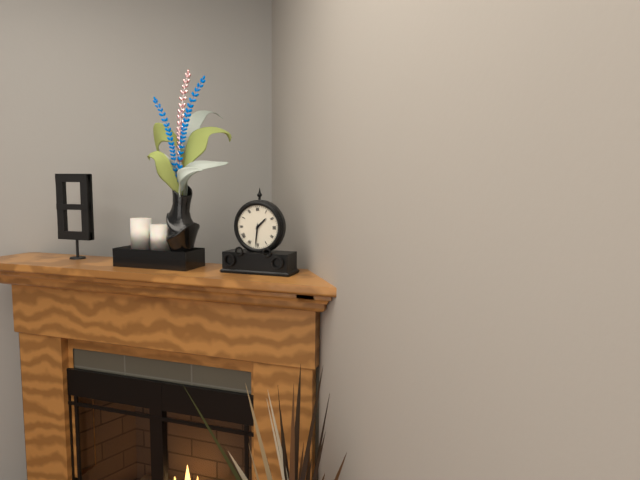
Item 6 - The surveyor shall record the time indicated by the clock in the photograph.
1:31
